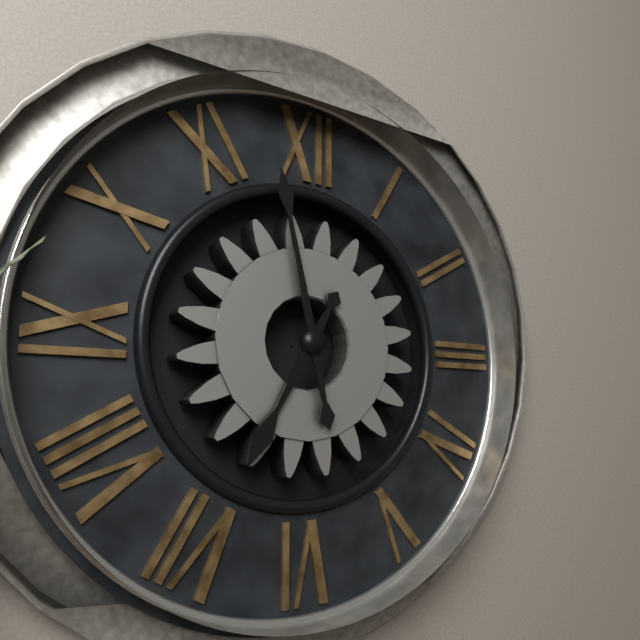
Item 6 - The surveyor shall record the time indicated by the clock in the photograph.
6:58
